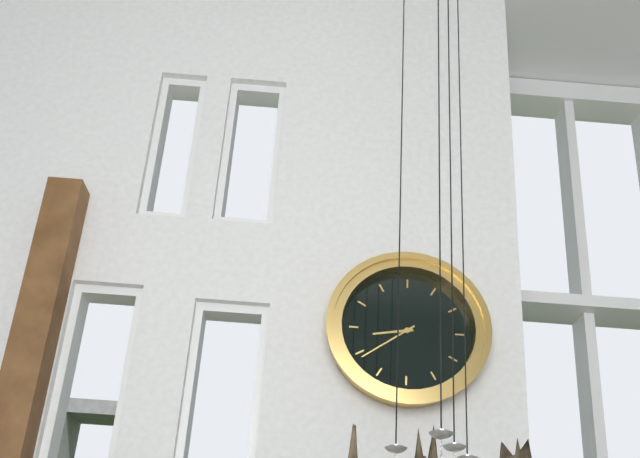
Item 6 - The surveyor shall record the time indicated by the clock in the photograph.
8:39
